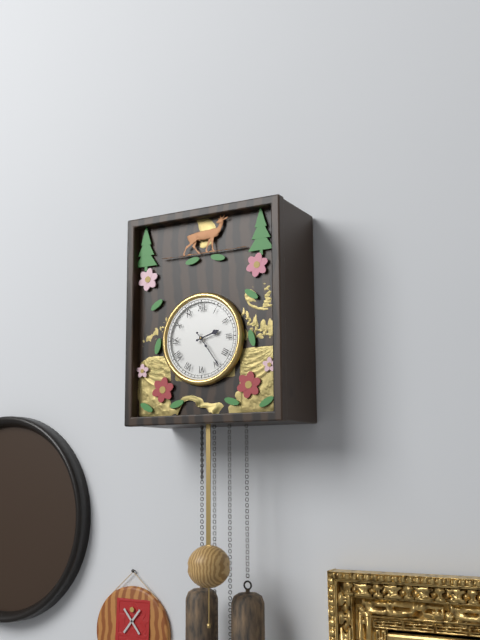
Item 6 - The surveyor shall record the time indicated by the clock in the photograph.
2:24
